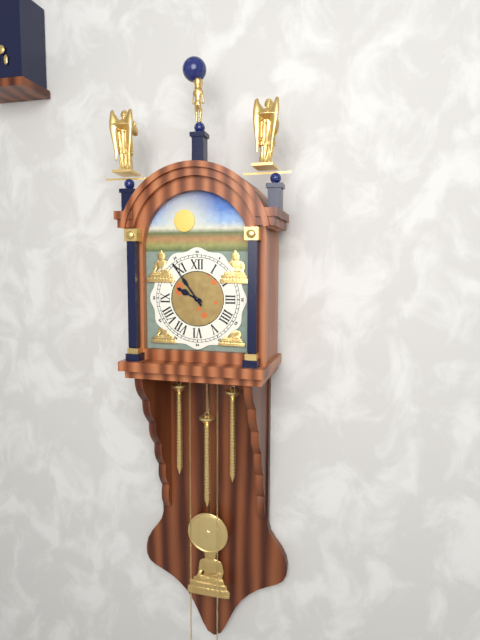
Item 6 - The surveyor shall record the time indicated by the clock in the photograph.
9:54
